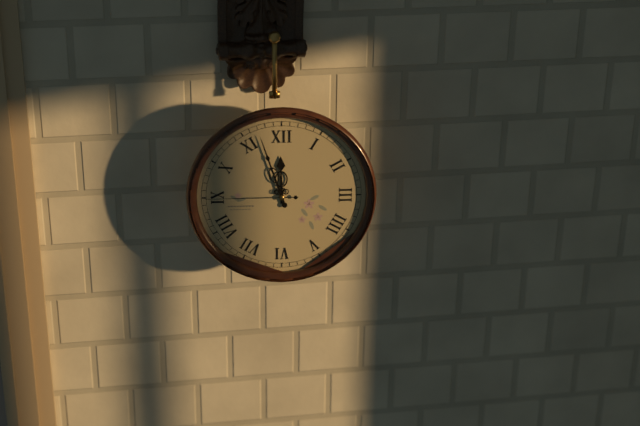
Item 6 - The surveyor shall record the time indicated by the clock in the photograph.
11:57:45
